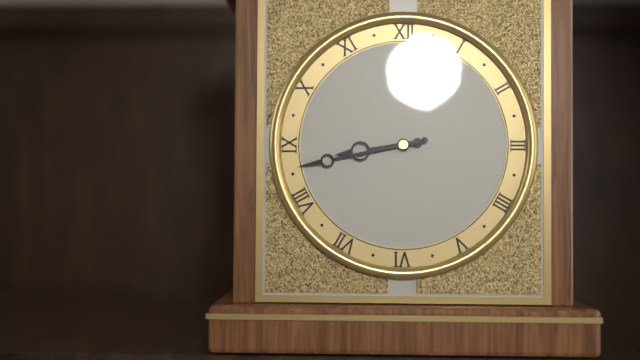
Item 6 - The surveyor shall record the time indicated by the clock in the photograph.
8:43
